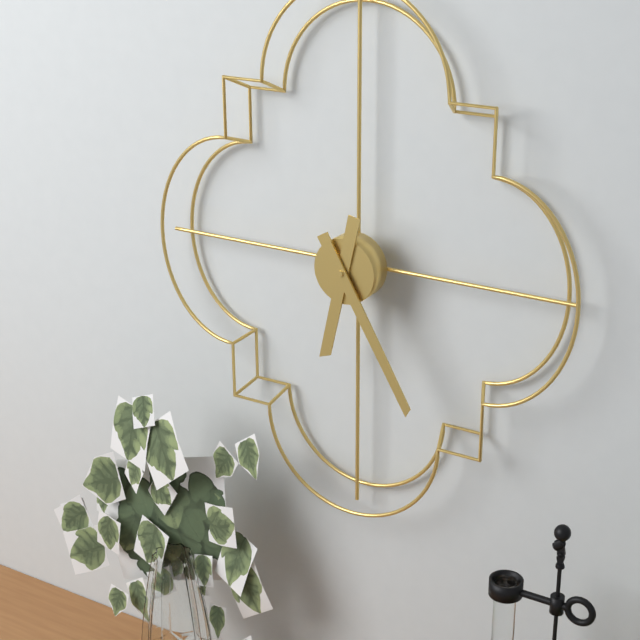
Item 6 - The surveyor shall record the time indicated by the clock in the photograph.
6:25
